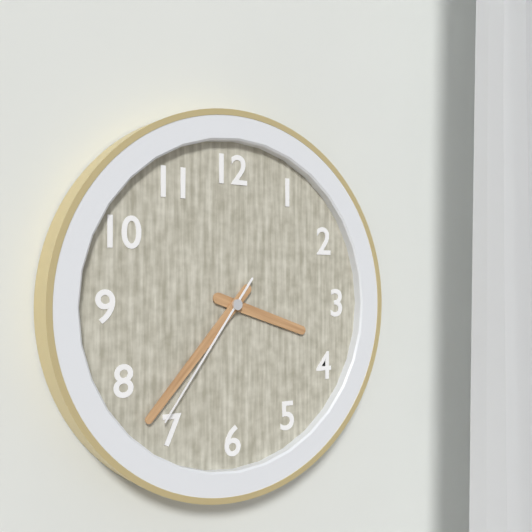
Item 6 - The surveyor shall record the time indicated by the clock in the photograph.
3:37:36
